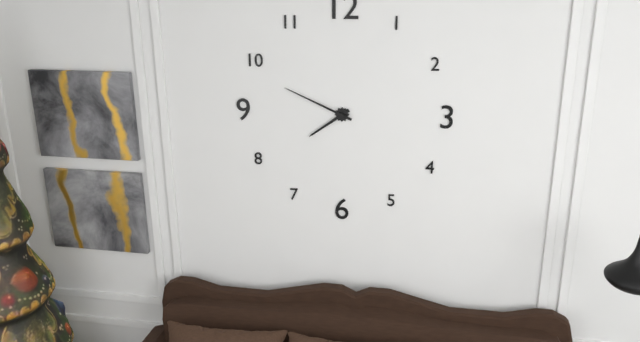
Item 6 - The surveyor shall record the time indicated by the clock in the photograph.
7:49
